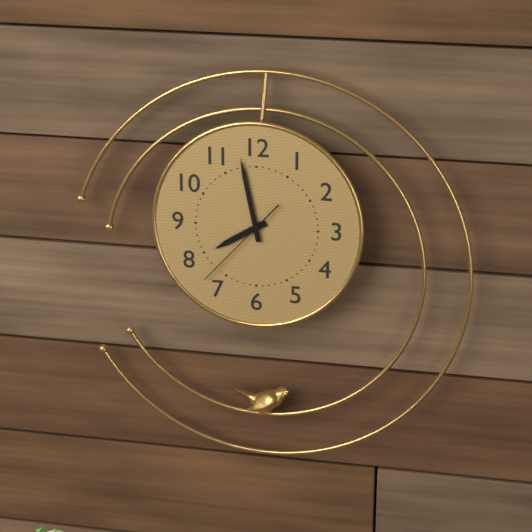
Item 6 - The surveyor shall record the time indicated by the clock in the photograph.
7:58:37
